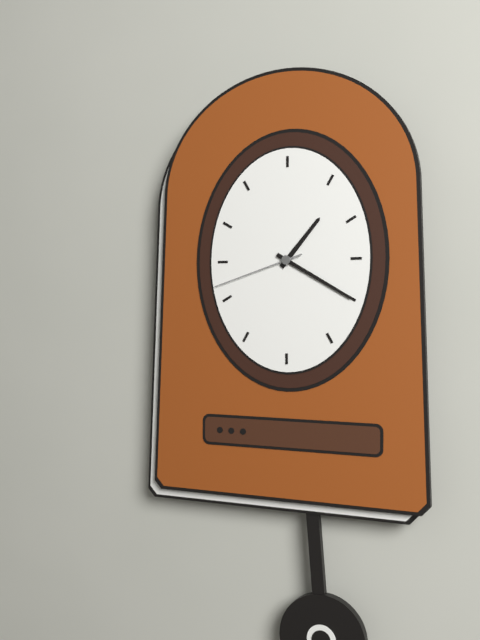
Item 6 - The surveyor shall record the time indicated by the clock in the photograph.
1:20:42
